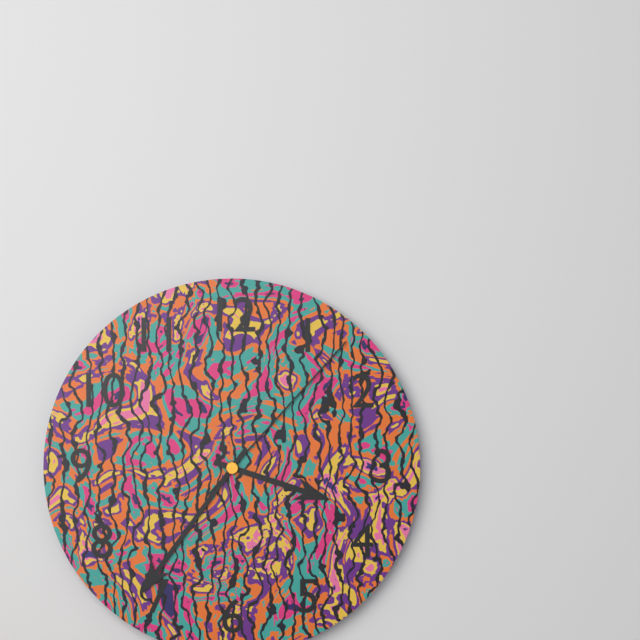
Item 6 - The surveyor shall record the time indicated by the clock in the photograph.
3:36:07
